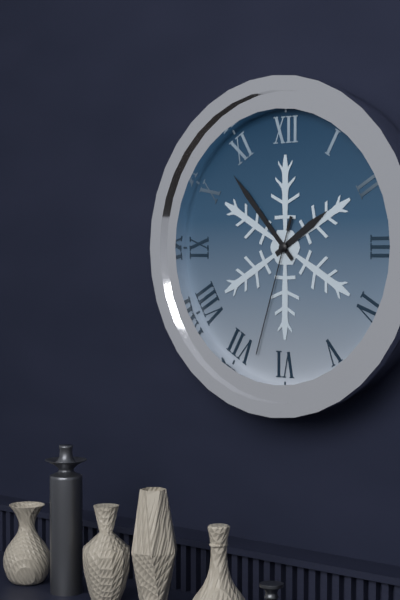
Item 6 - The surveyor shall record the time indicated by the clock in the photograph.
1:53:33
